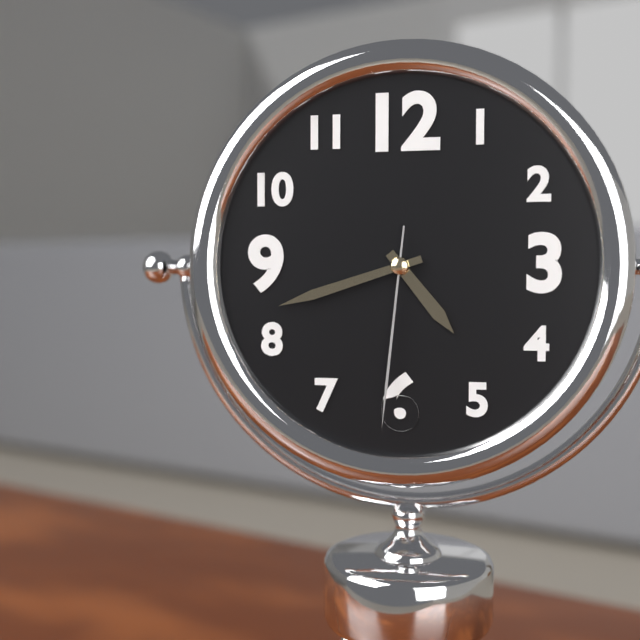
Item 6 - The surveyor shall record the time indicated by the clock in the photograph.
4:42:31
